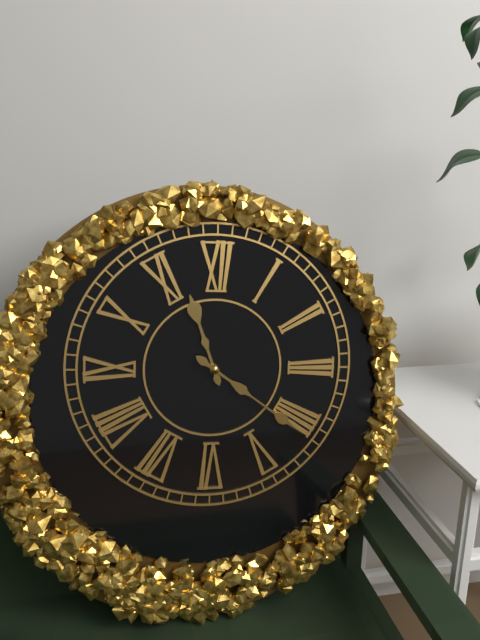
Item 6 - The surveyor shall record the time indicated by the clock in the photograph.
11:21
